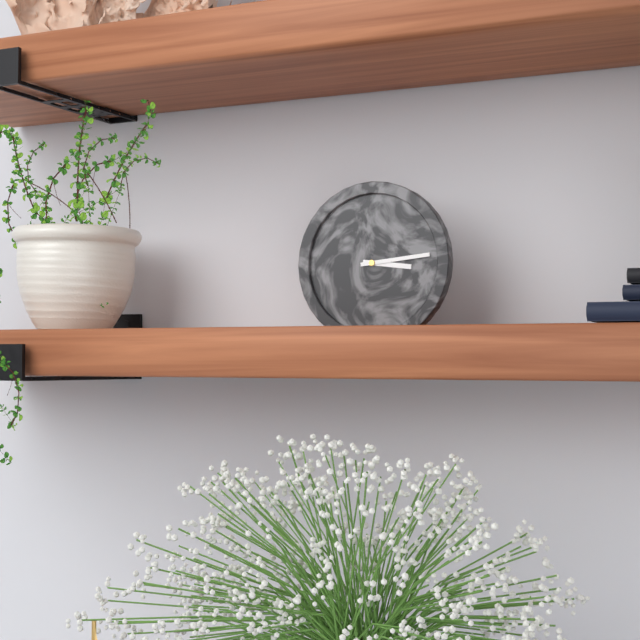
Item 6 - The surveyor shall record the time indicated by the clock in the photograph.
3:14
